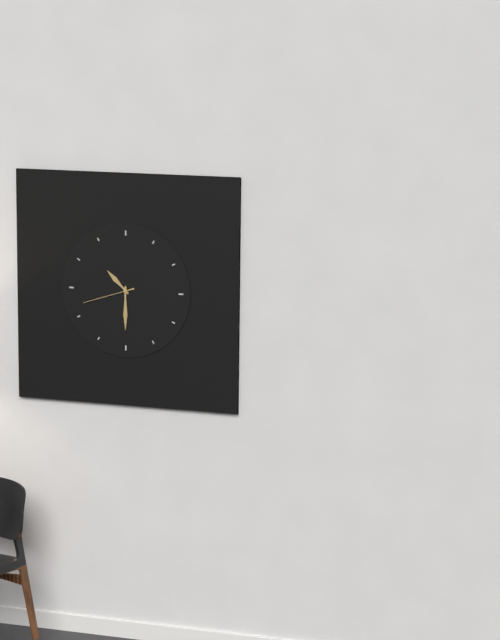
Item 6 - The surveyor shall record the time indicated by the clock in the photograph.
10:30:42
